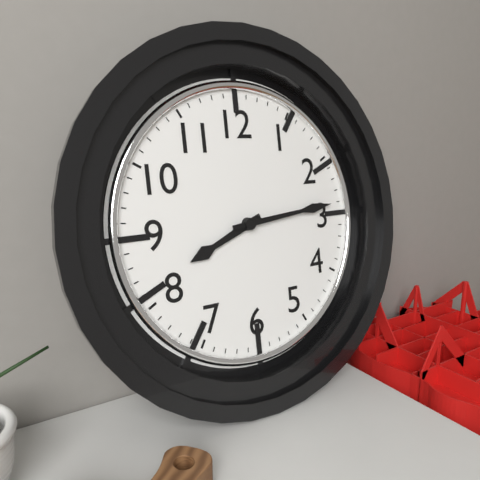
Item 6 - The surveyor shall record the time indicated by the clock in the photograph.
8:14
